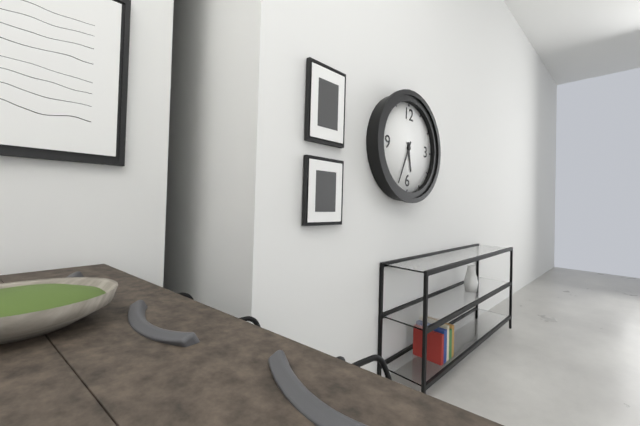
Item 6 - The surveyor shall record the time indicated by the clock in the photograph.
5:34
